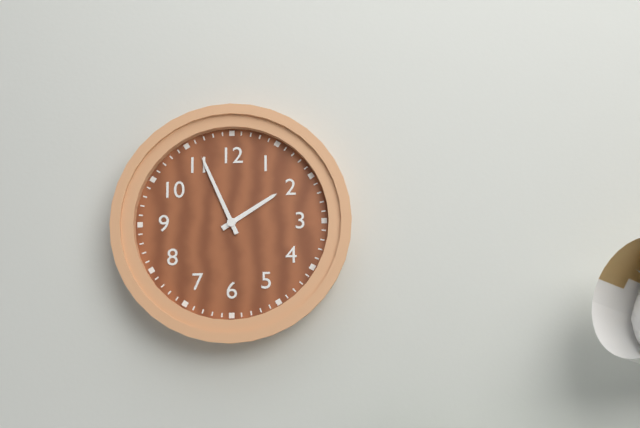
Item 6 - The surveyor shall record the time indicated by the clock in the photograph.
1:56
